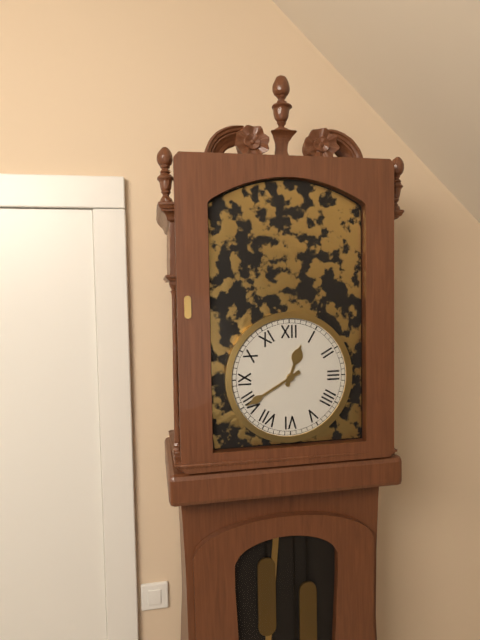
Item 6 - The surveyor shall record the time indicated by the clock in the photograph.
12:40
